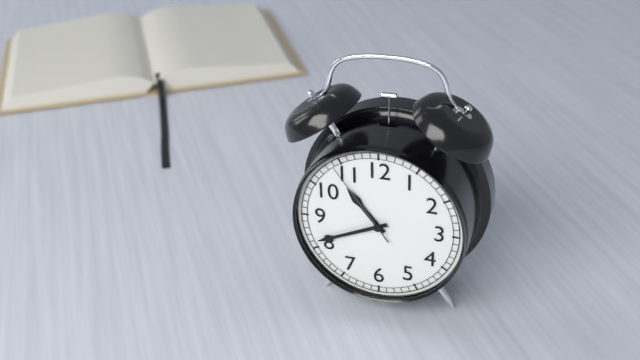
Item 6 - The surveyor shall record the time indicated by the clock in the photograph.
10:41:54
